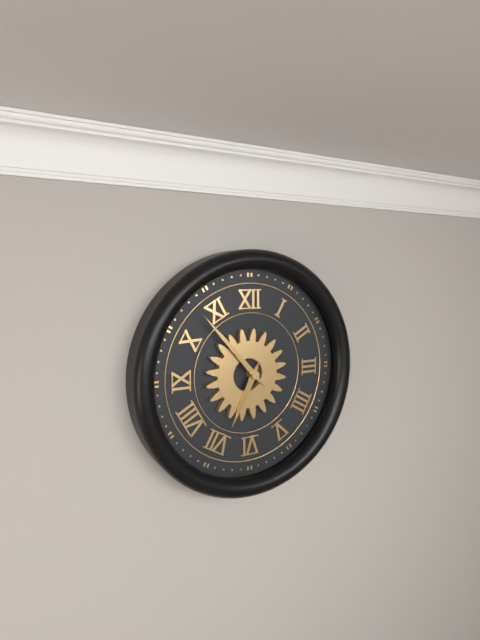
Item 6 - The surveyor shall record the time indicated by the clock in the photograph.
6:53
